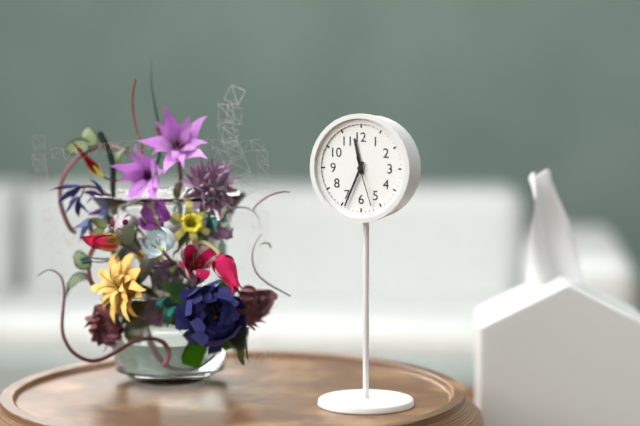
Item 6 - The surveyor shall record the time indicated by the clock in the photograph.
11:34
